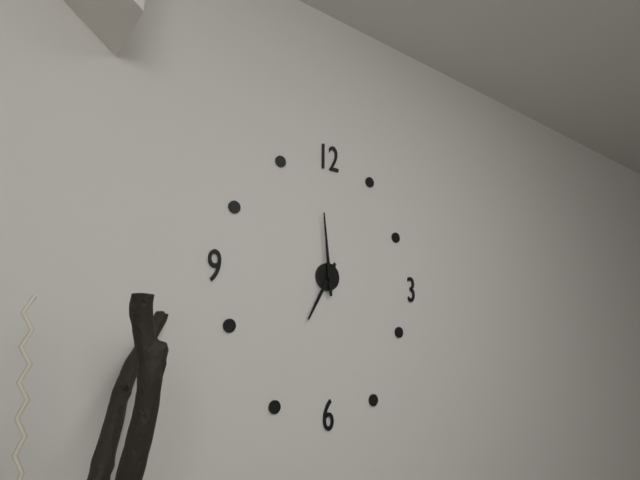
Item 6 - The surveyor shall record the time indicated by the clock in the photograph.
6:59
